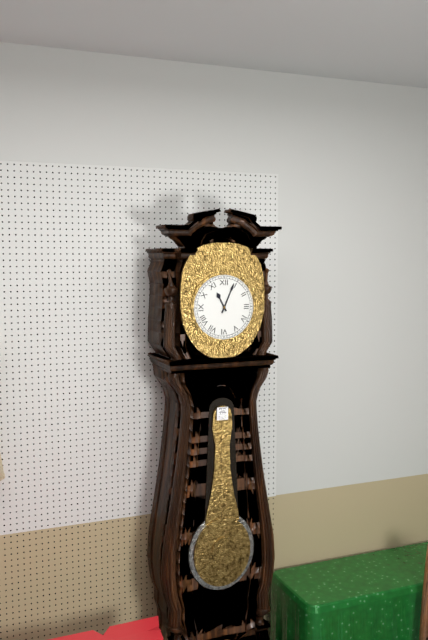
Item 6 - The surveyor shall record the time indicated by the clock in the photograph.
11:04
